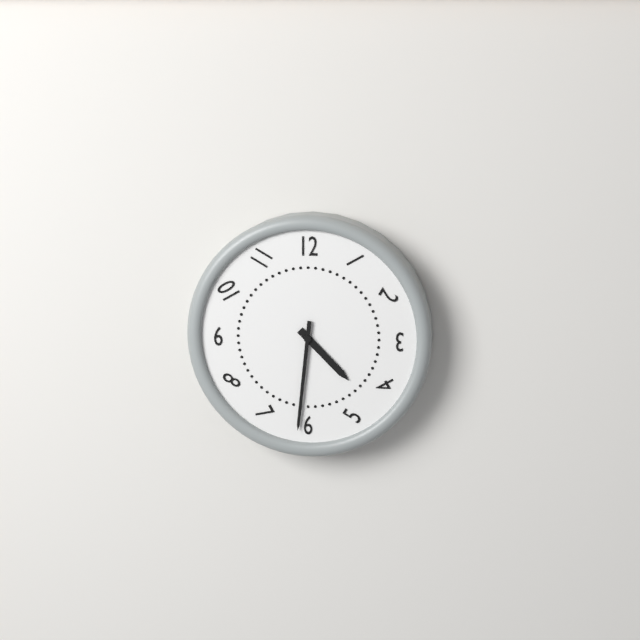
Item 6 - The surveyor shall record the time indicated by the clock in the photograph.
4:31
